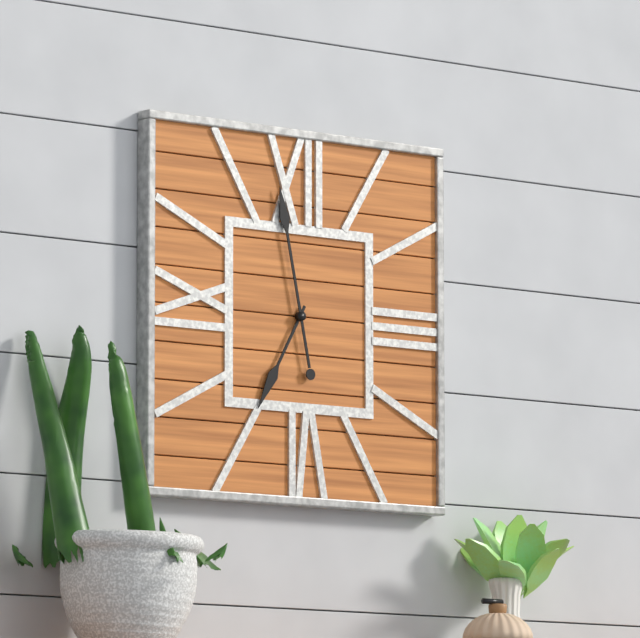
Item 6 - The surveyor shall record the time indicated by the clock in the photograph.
6:58
